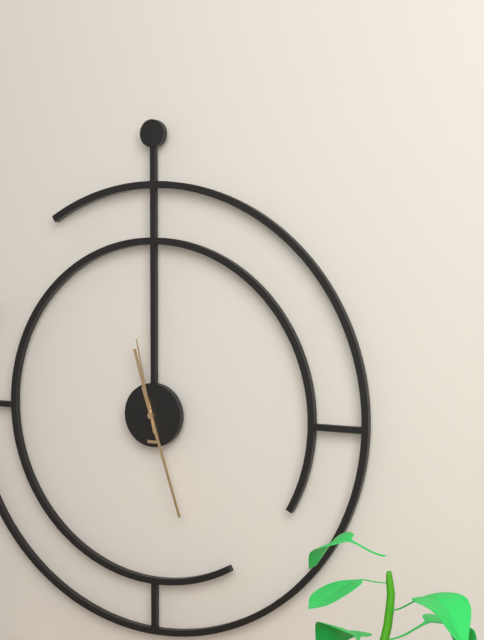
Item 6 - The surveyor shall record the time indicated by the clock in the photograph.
11:27:58
